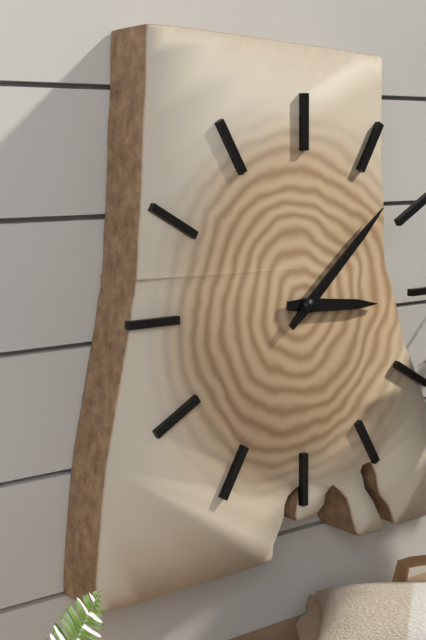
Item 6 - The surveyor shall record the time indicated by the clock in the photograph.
3:08
